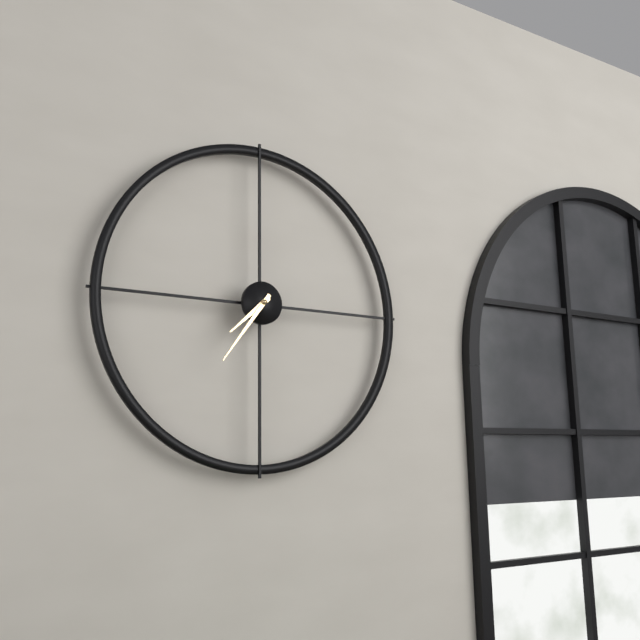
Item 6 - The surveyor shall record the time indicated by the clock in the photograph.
7:36
